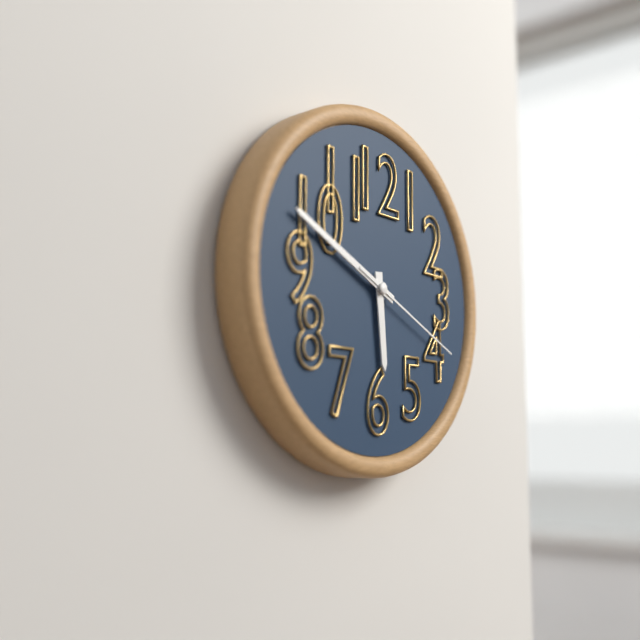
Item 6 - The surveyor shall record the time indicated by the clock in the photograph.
5:49:19
